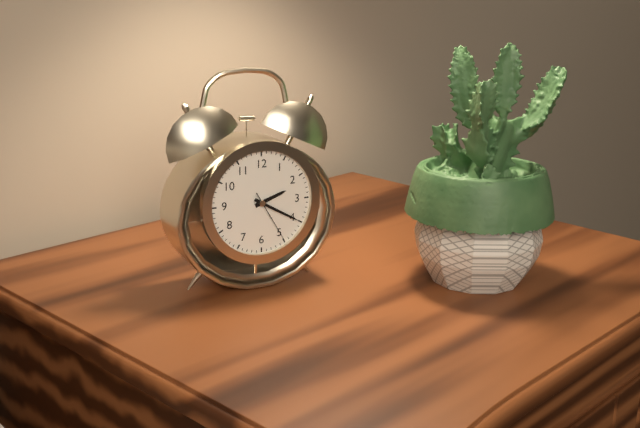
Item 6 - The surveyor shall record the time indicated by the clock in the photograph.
2:20:25
